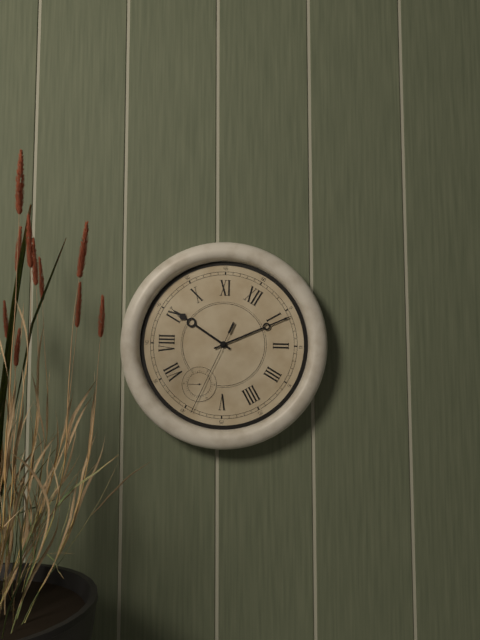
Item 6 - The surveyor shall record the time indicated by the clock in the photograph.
9:06:29
